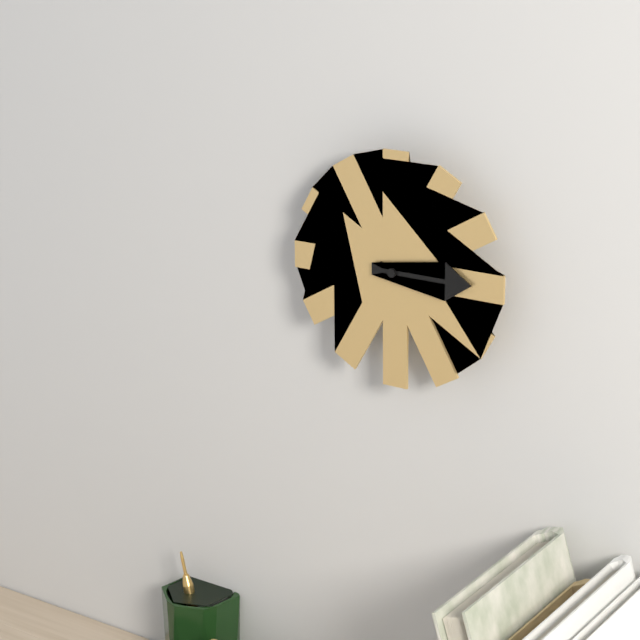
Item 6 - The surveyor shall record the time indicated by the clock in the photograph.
3:15
